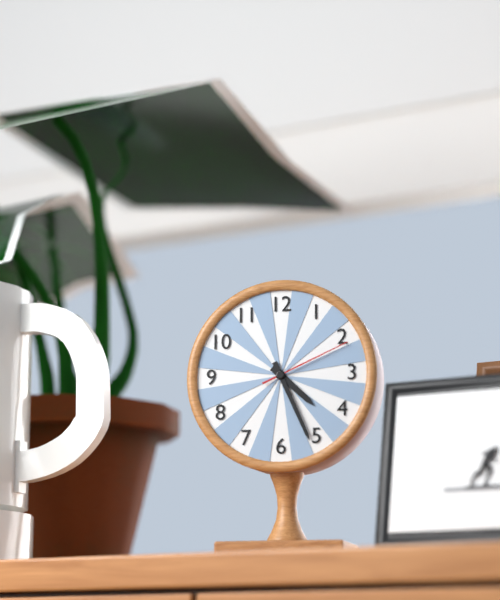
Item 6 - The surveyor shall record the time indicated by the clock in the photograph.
4:26:11
